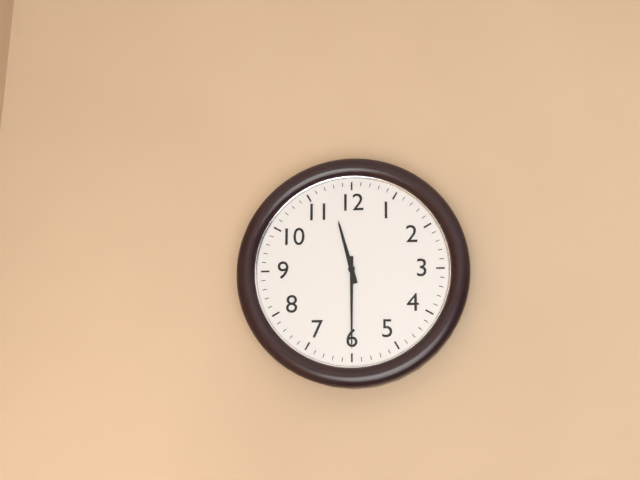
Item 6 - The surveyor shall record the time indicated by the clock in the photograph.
11:30
